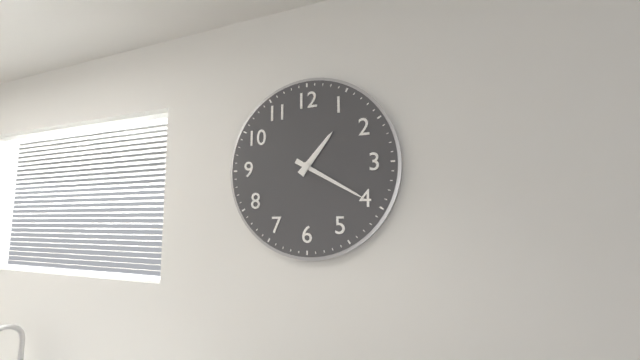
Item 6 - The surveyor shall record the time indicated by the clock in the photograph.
1:20
